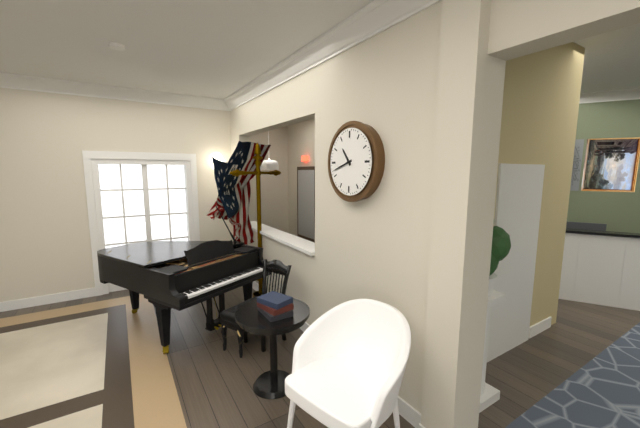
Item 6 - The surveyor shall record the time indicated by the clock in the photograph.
10:42
